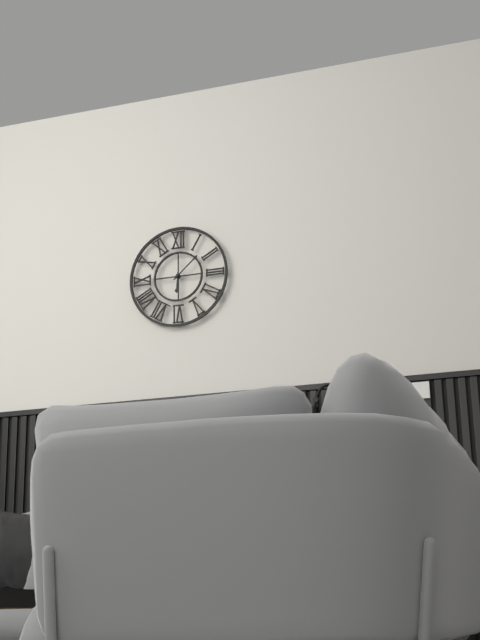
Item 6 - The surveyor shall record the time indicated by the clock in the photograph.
6:08
